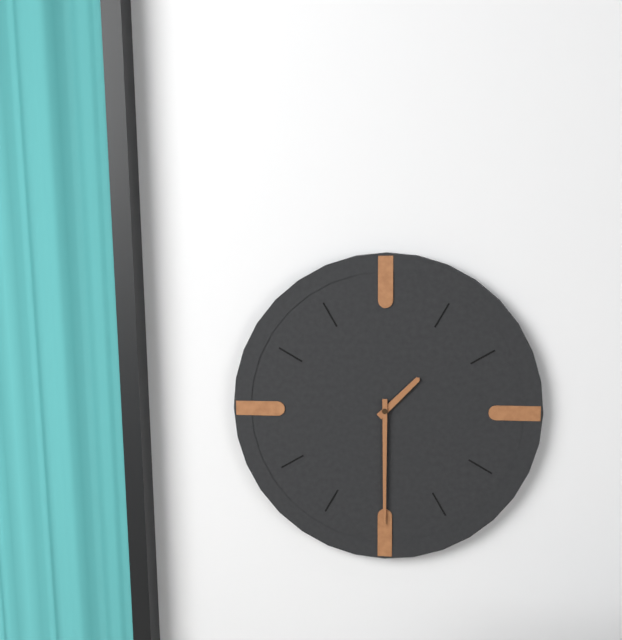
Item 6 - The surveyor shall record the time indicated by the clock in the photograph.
1:30
